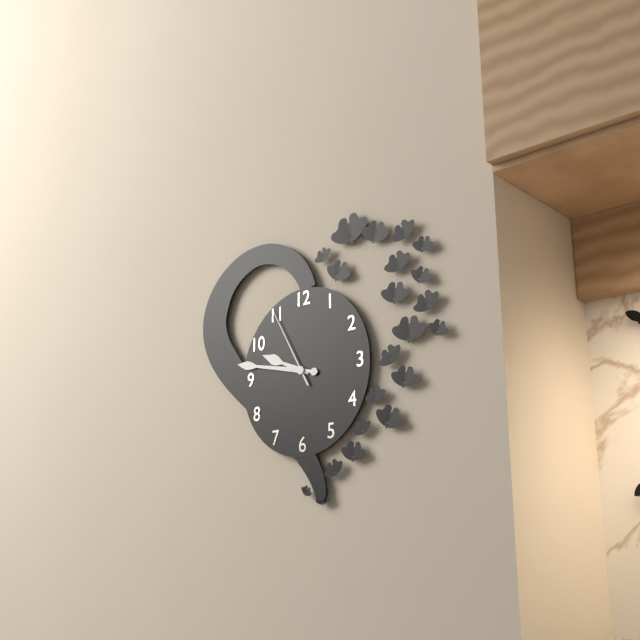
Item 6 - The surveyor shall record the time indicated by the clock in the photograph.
9:47:55
